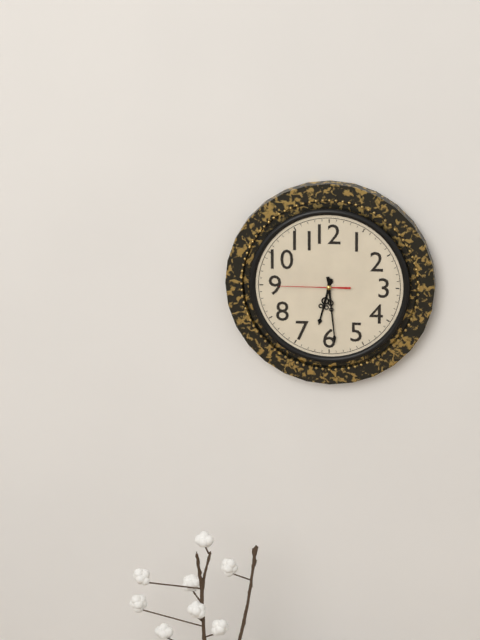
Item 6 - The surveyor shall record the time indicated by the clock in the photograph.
6:29:45
